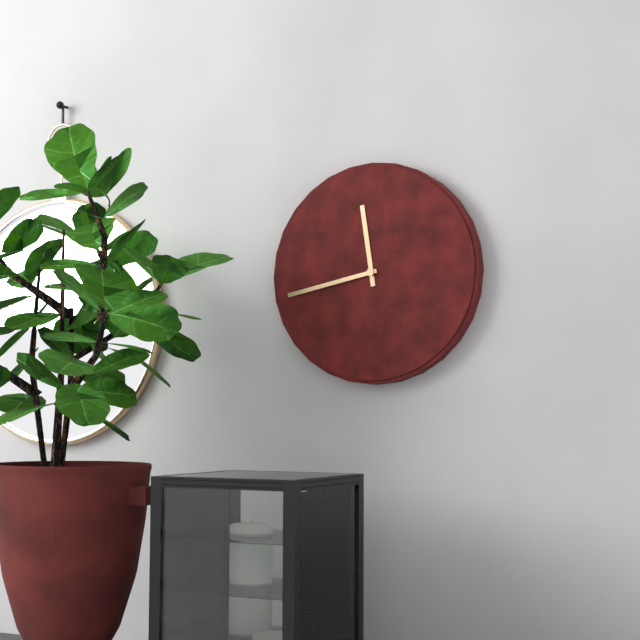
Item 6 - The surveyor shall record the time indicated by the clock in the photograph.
11:43
